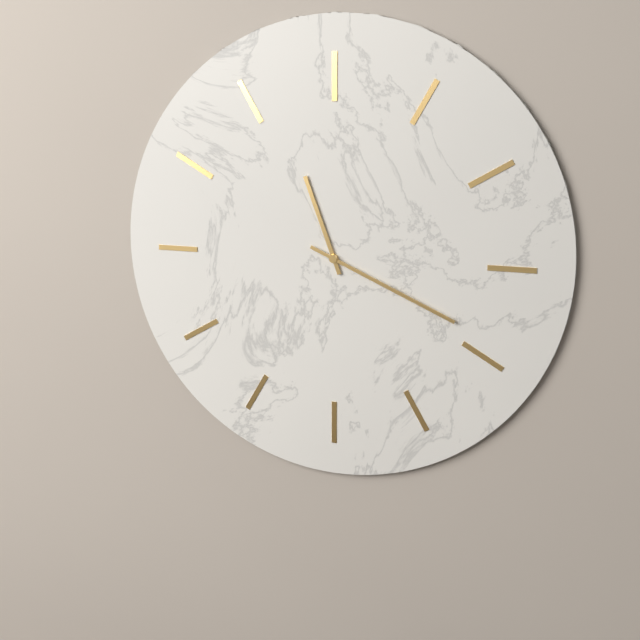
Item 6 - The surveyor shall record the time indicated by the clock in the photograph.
11:19
